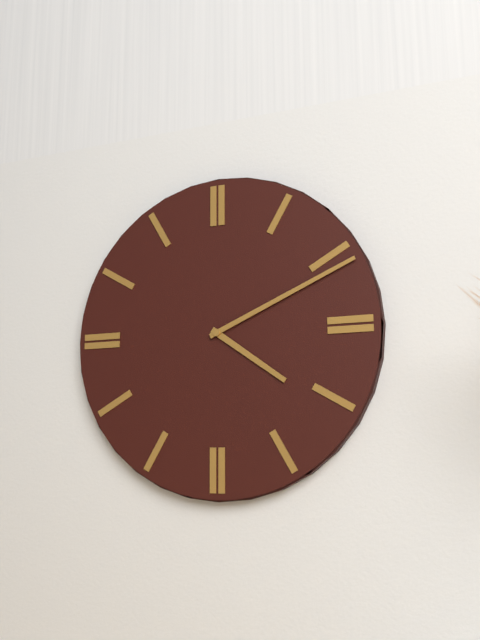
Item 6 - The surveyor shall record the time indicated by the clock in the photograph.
4:11
